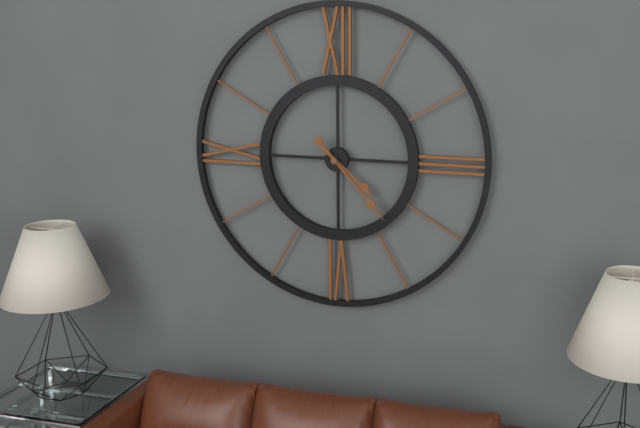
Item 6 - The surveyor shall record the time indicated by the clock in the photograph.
4:23
